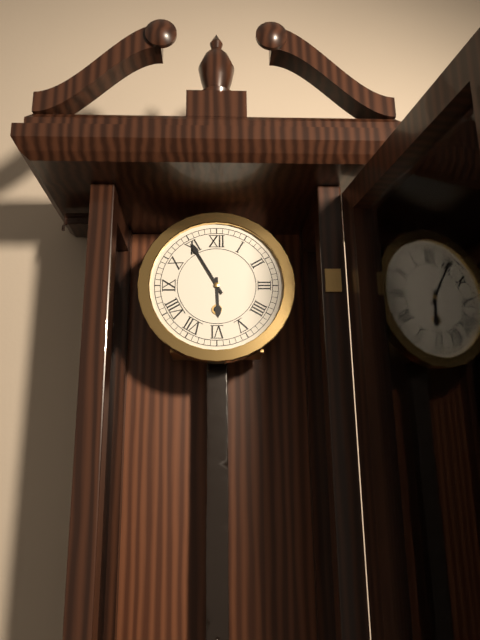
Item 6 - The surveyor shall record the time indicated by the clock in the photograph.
5:55
